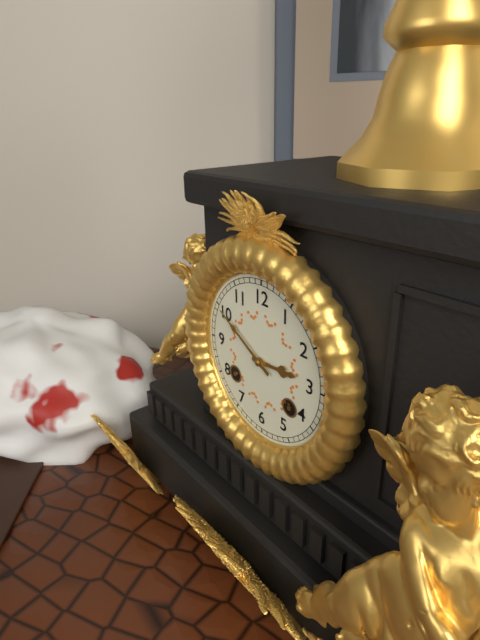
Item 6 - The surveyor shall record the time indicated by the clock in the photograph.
2:50
